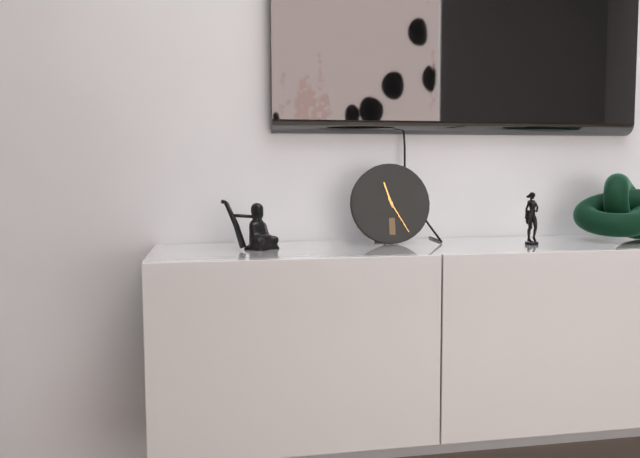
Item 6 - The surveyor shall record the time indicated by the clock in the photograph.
11:25
